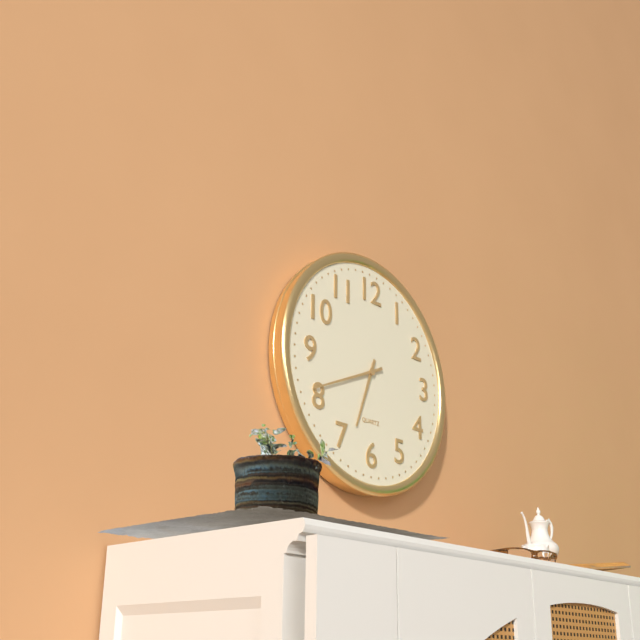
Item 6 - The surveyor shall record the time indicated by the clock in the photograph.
6:41
